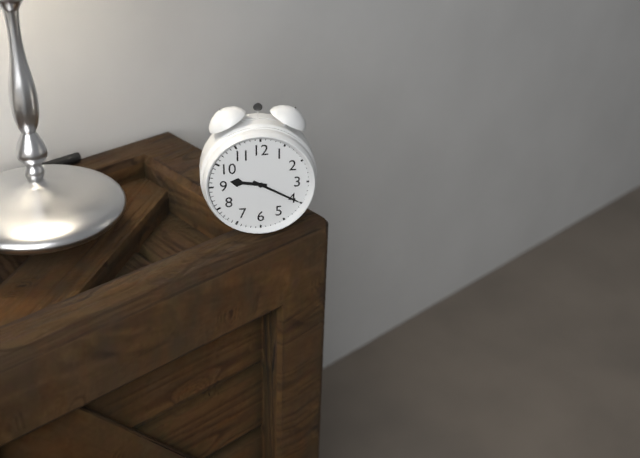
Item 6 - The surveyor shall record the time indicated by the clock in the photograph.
9:20
